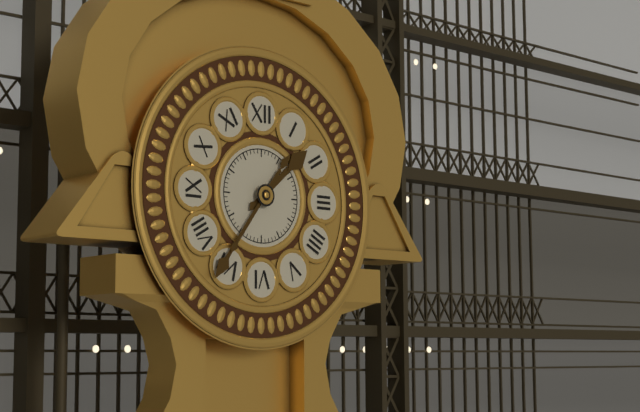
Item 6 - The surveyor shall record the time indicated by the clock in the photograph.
1:36
